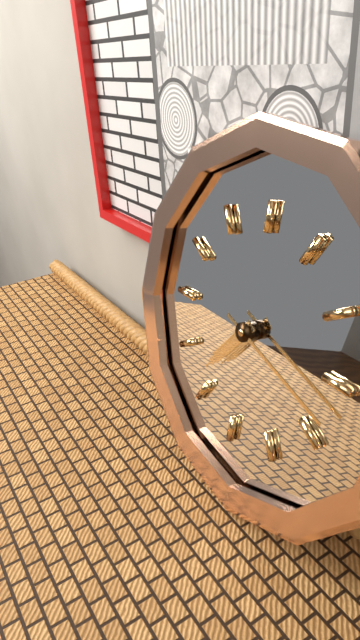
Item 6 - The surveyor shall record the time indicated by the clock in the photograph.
7:18
